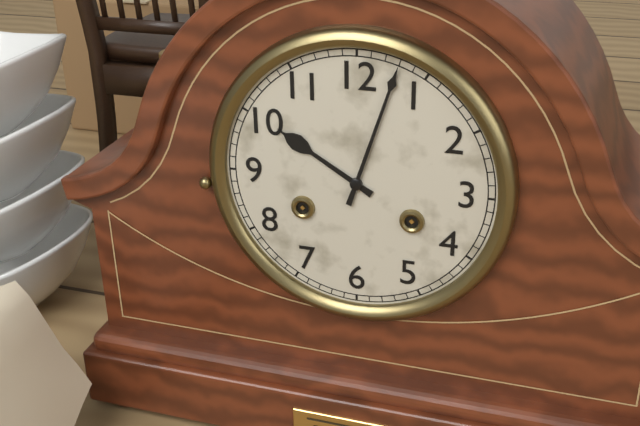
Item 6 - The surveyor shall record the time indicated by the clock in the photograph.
10:03
